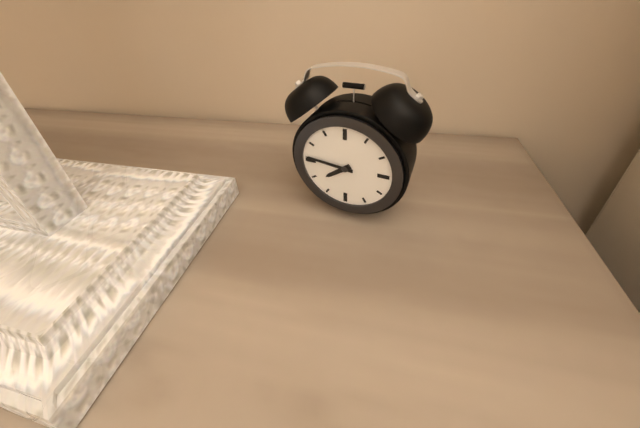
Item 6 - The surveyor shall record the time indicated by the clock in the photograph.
7:46
